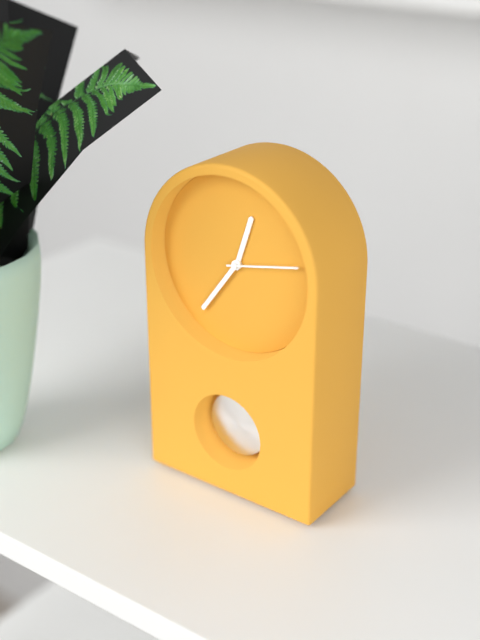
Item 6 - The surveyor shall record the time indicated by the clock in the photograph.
12:36:13
